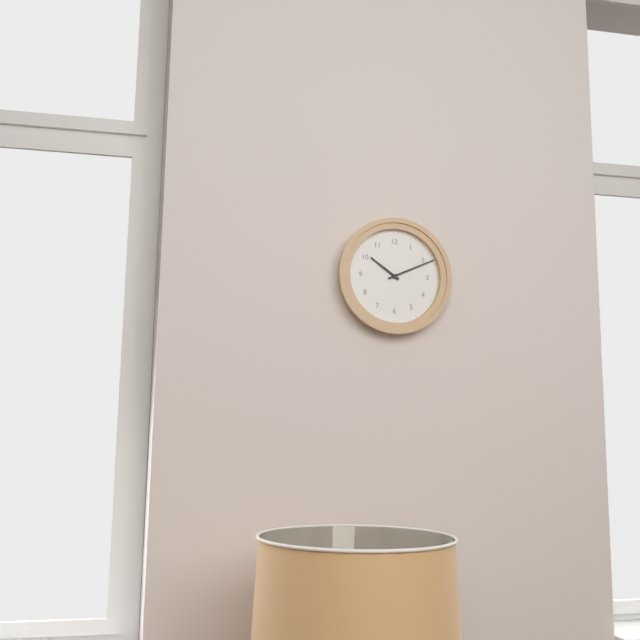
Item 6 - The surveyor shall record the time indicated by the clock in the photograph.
10:11
